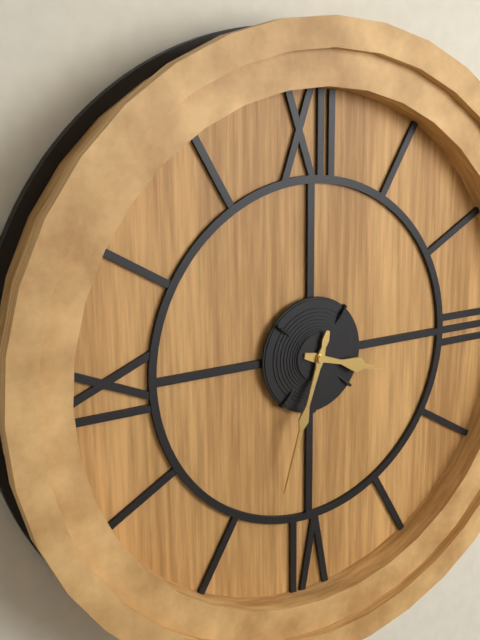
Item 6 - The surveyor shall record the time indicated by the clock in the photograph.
3:33
